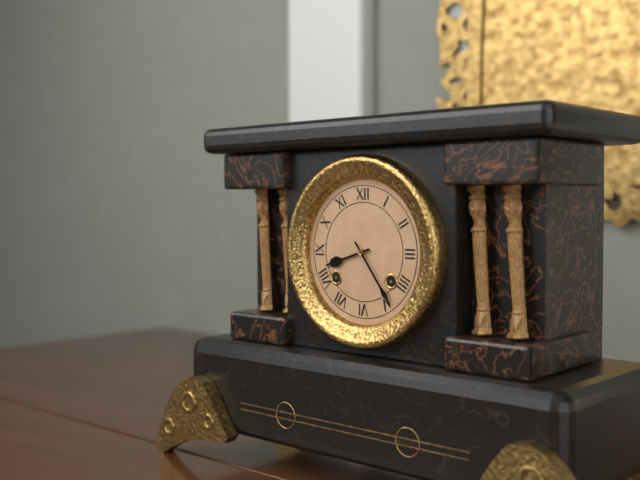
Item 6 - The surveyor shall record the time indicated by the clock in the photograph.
8:24
